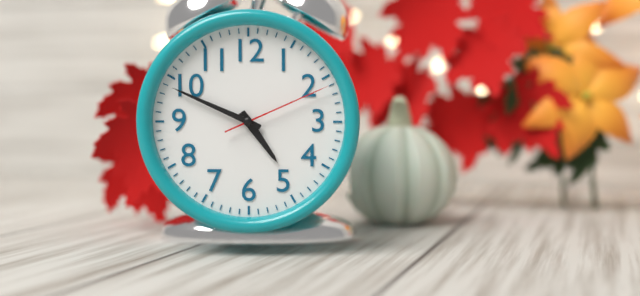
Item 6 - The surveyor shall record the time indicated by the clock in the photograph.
4:49:11
